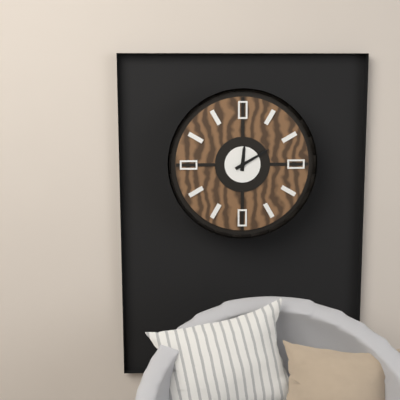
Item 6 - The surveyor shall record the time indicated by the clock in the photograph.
12:10
